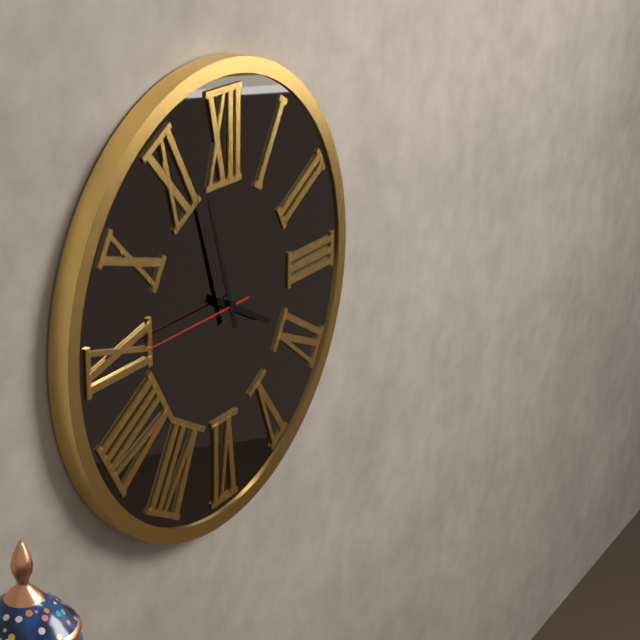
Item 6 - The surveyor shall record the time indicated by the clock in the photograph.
3:57:45
